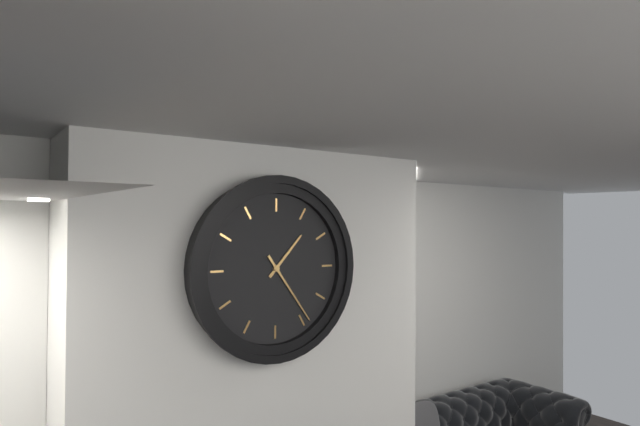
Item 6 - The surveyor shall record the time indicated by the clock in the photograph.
1:24
